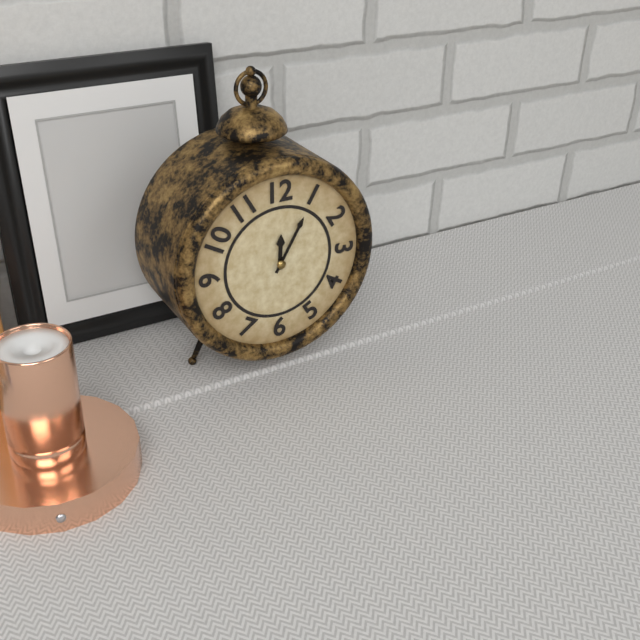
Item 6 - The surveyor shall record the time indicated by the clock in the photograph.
12:05
